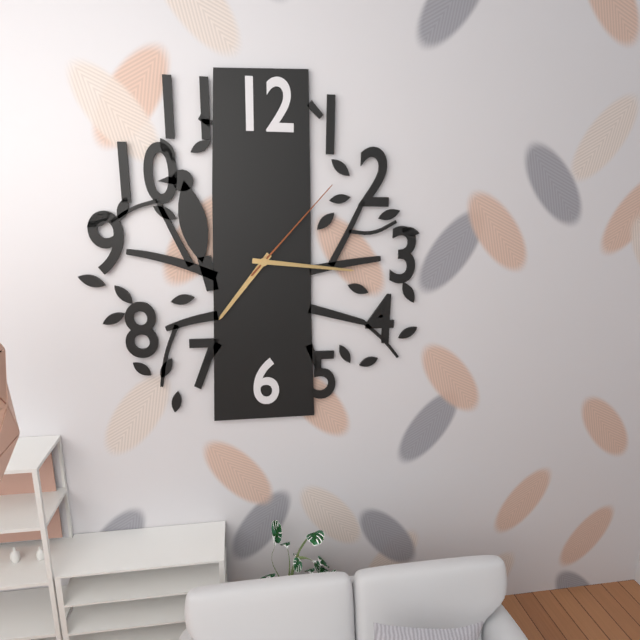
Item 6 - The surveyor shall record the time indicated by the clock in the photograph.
7:16:07
